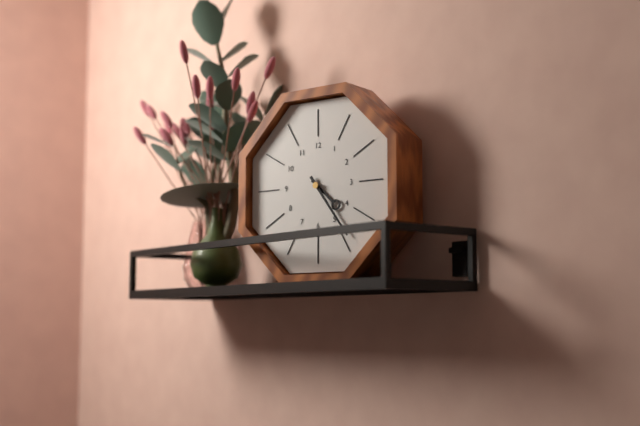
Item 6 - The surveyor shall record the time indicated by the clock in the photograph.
4:24
